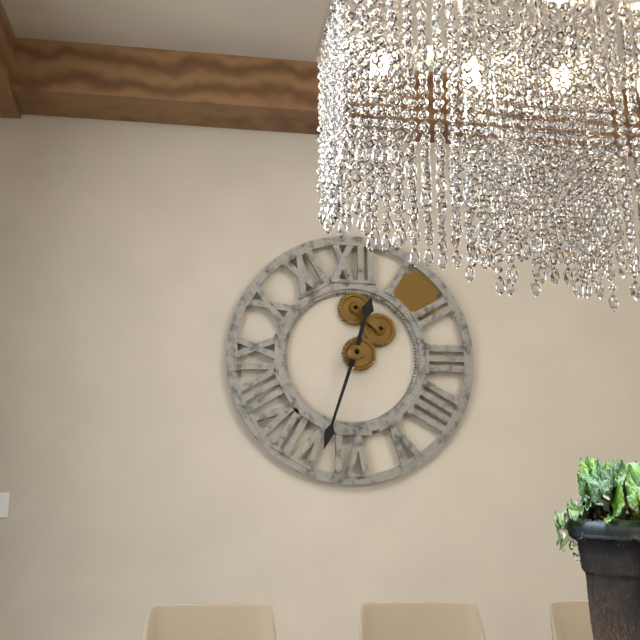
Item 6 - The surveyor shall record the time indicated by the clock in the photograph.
12:33
